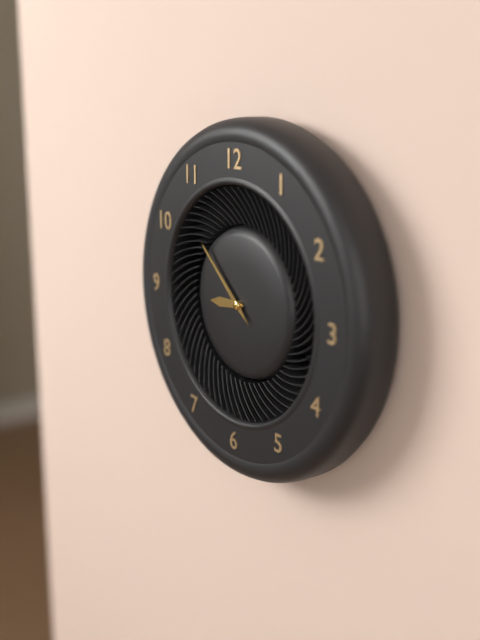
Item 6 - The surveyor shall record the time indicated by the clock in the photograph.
8:52
